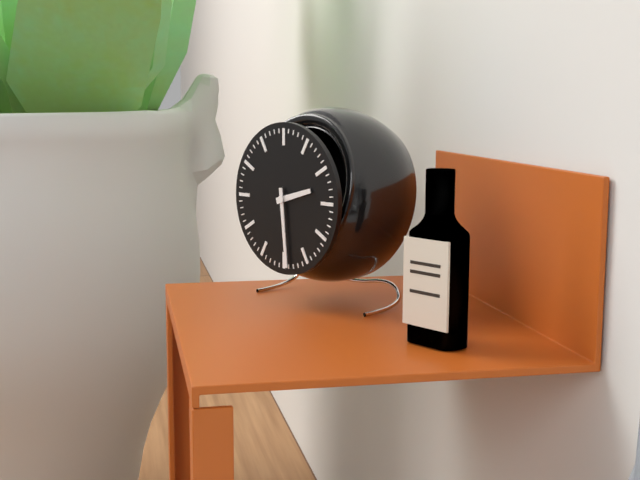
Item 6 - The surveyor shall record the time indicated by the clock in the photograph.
2:29
